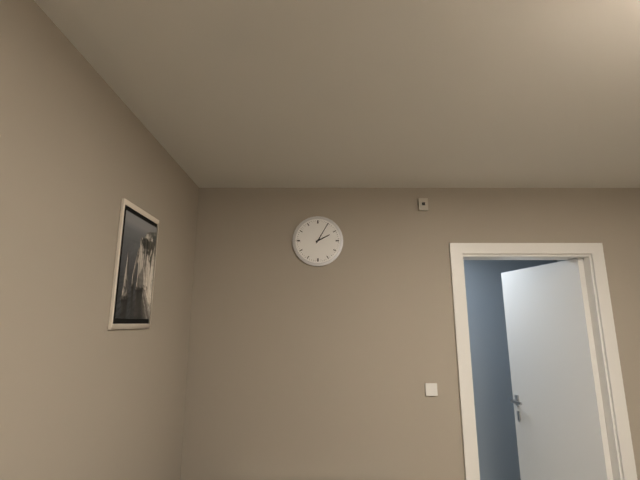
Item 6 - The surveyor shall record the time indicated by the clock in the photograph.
2:05
